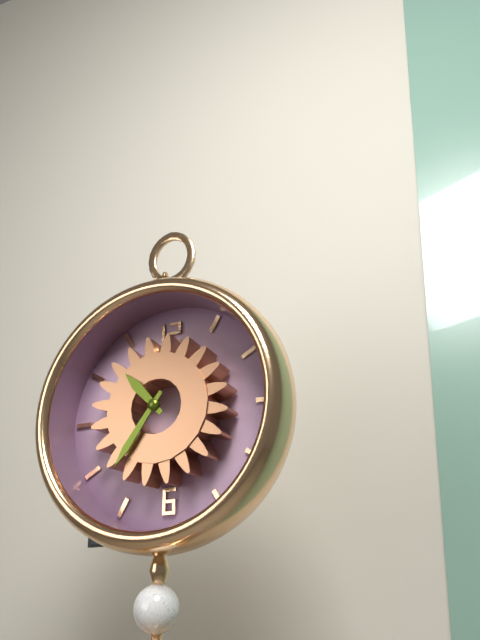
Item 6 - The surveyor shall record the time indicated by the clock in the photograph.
10:36
